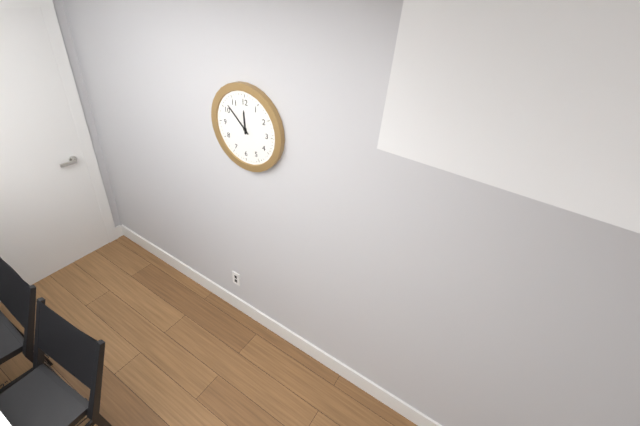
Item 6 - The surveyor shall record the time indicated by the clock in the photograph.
11:52
